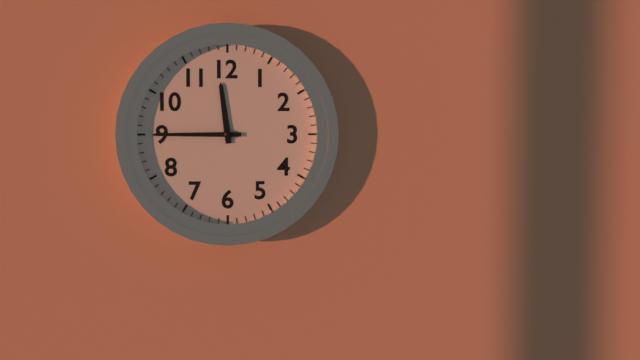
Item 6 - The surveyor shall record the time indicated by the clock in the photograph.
11:45
